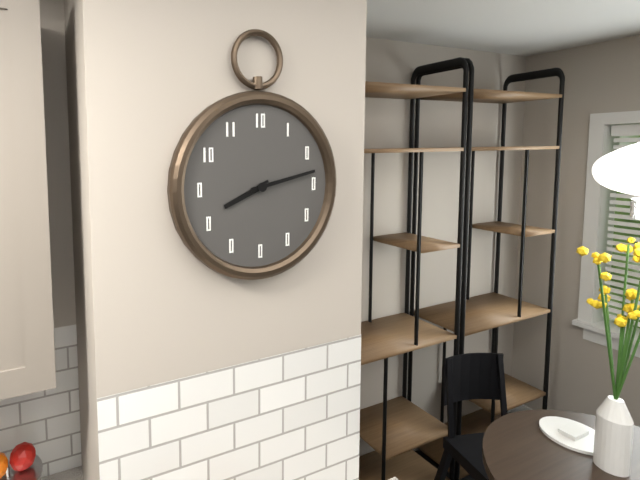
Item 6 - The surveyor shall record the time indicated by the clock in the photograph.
8:13
